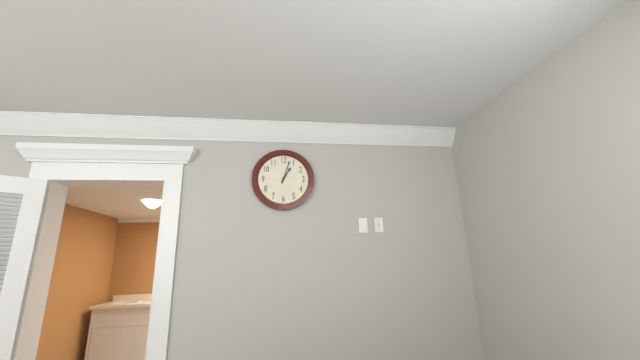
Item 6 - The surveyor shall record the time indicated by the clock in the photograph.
1:03
